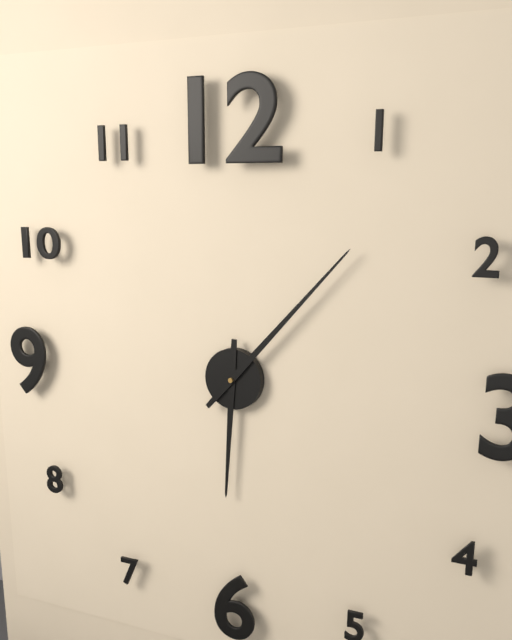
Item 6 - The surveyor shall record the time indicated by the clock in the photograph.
6:07
